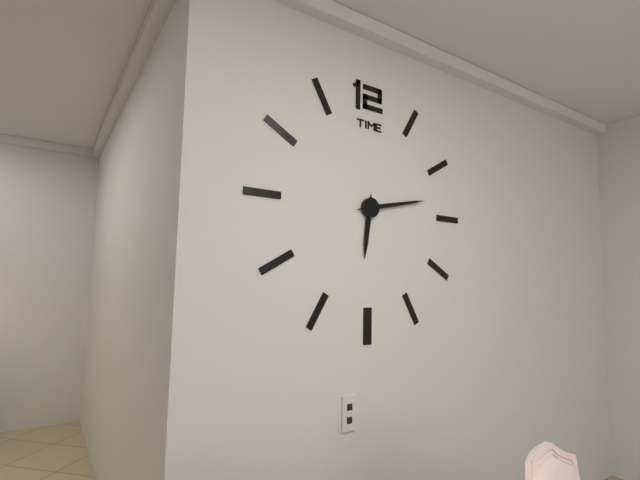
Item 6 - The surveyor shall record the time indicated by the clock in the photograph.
6:13
